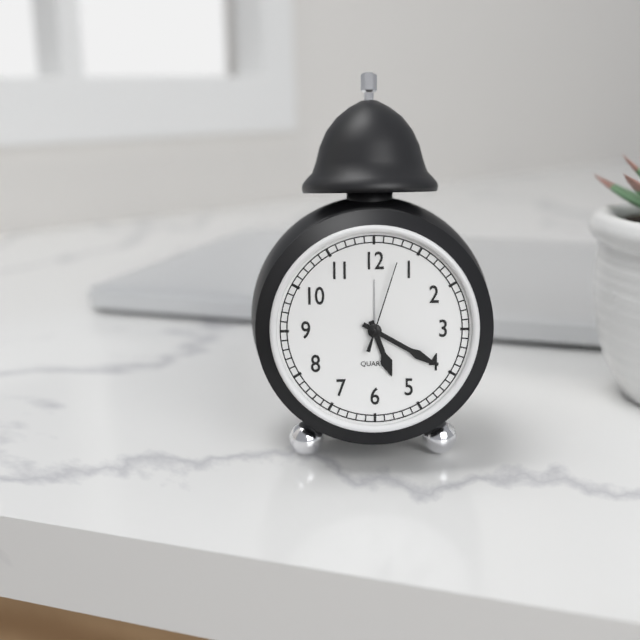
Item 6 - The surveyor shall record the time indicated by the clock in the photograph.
5:20:03
